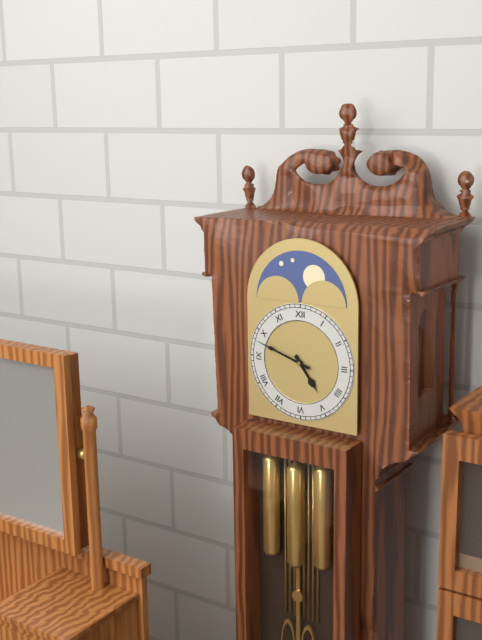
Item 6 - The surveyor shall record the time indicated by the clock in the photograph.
4:48
